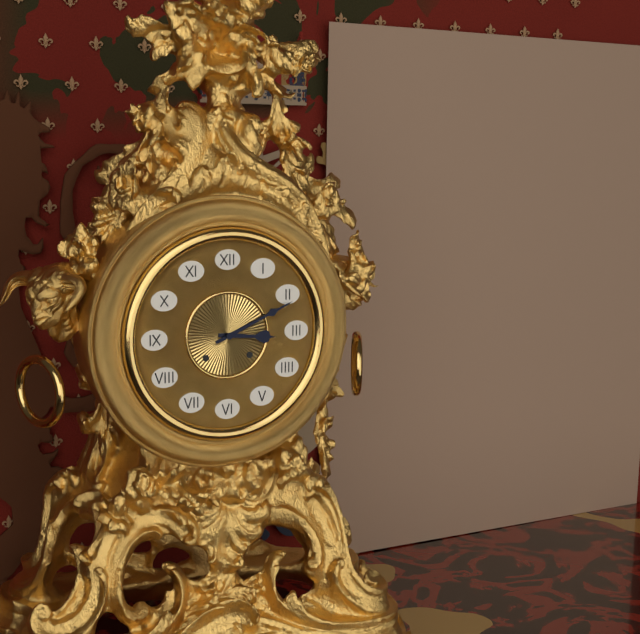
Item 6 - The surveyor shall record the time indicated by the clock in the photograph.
3:11
